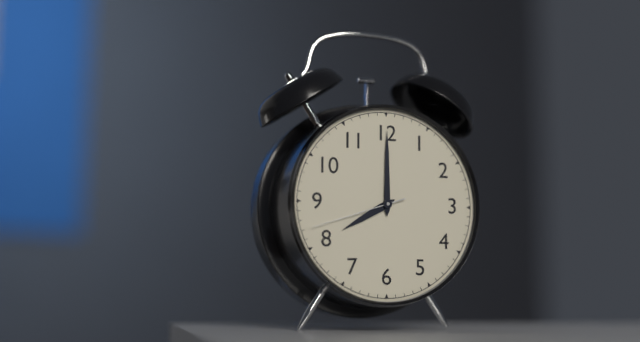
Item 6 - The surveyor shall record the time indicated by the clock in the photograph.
8:00:42
